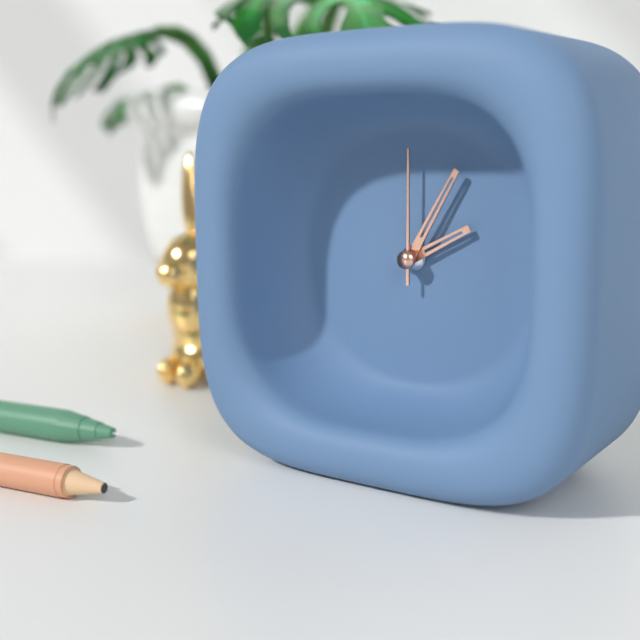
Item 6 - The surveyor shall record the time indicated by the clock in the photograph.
2:05:00
